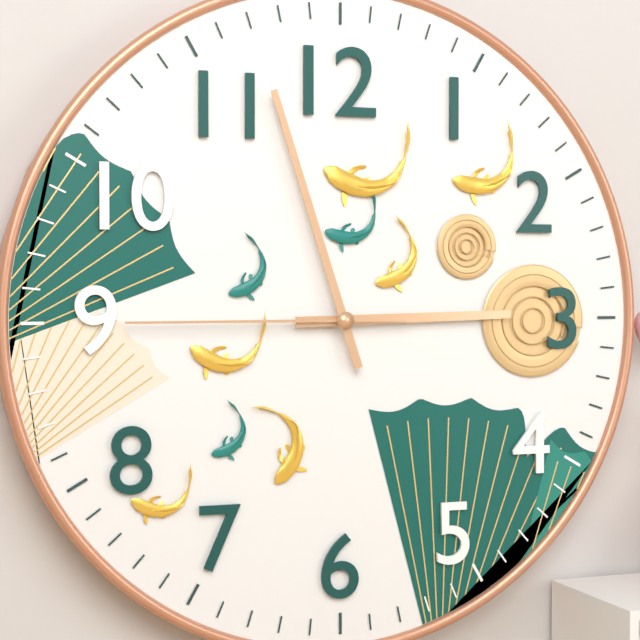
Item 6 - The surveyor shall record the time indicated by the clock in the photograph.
2:57:45
